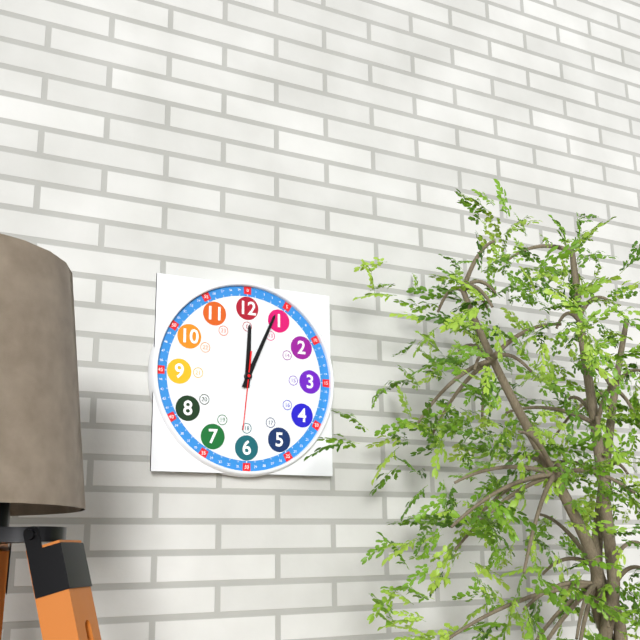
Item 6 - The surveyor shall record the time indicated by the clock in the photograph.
12:04:31
